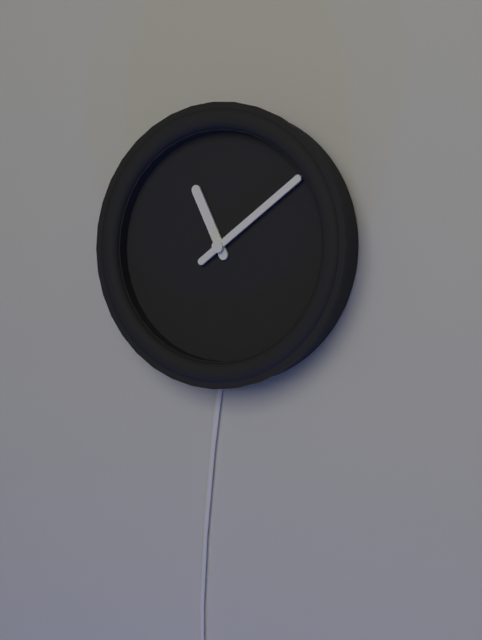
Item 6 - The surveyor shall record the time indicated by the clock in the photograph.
11:09
